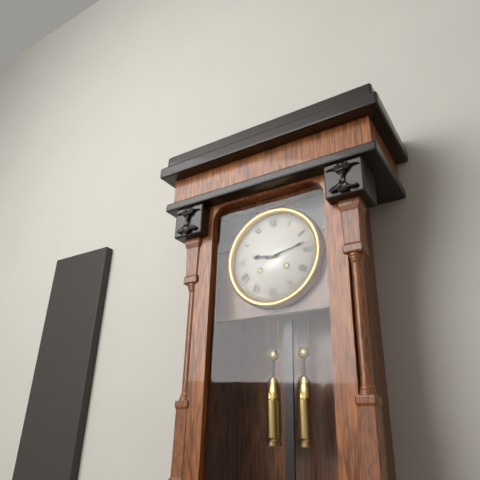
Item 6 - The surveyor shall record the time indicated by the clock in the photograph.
9:13
